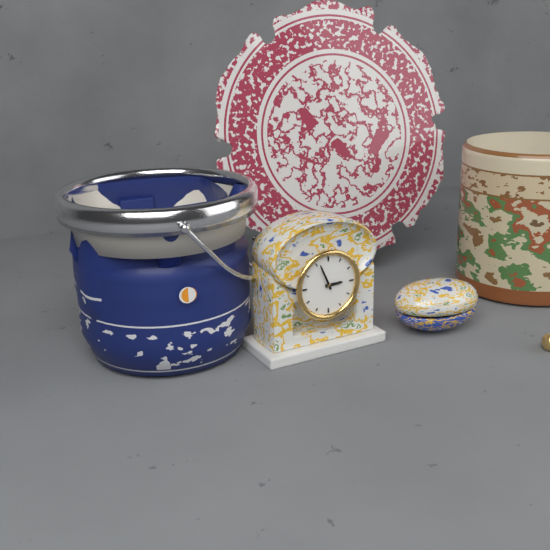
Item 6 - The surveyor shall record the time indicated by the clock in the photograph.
2:56
